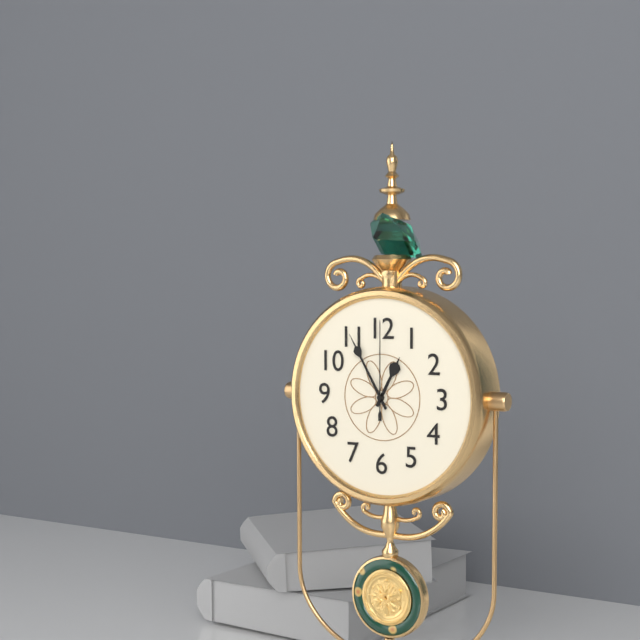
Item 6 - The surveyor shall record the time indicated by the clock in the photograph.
12:55:00
